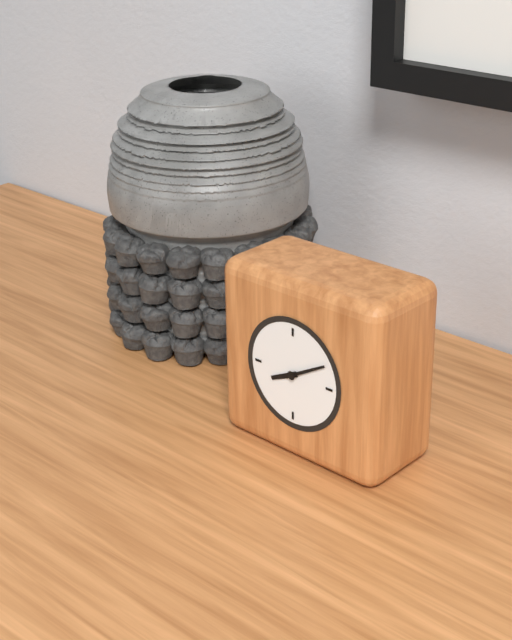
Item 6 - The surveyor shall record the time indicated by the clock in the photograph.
8:10
